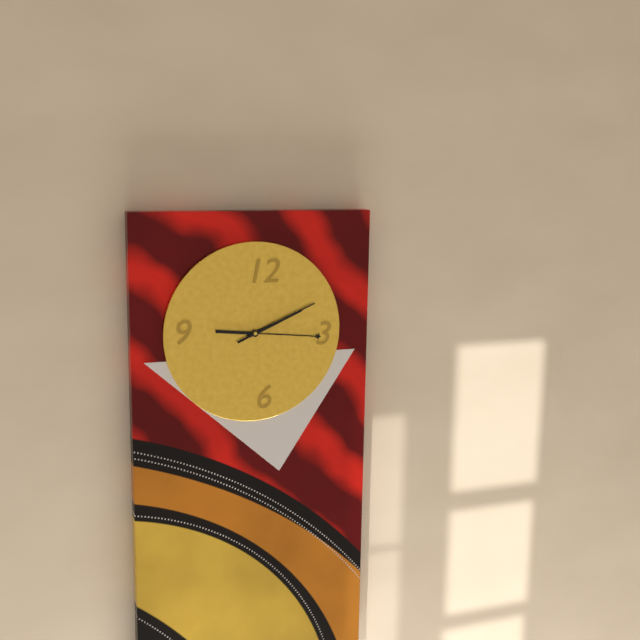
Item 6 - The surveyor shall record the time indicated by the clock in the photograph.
2:16:11
